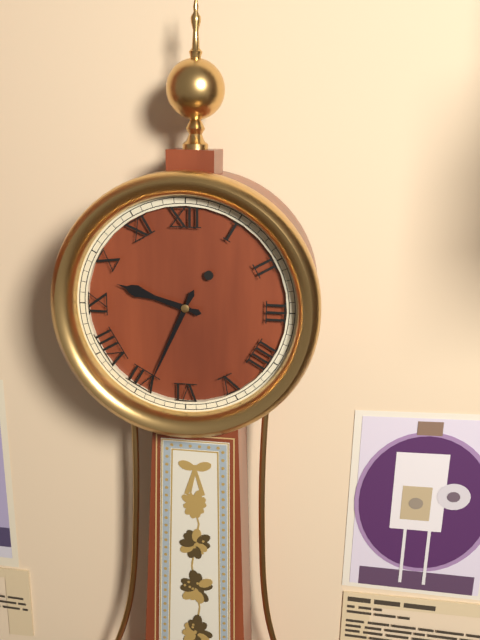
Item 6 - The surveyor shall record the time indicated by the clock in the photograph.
9:34
